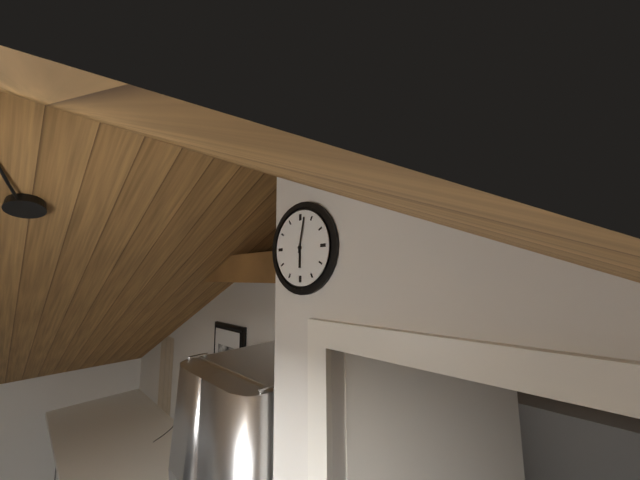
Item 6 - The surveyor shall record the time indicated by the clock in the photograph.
6:02
